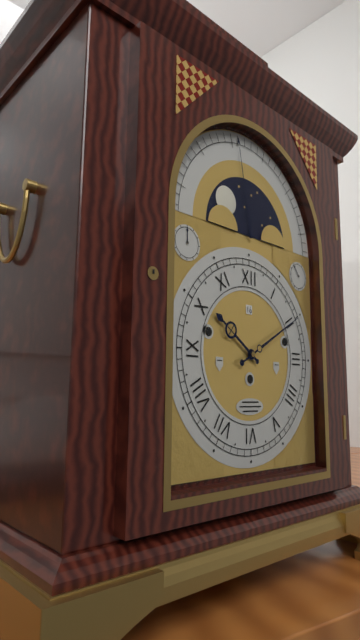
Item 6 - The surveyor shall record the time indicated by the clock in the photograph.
10:10
